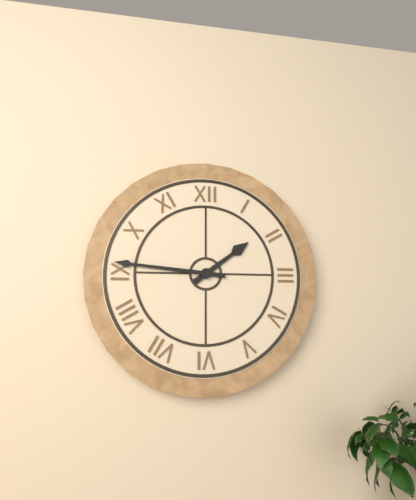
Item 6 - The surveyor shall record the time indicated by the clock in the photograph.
1:46
